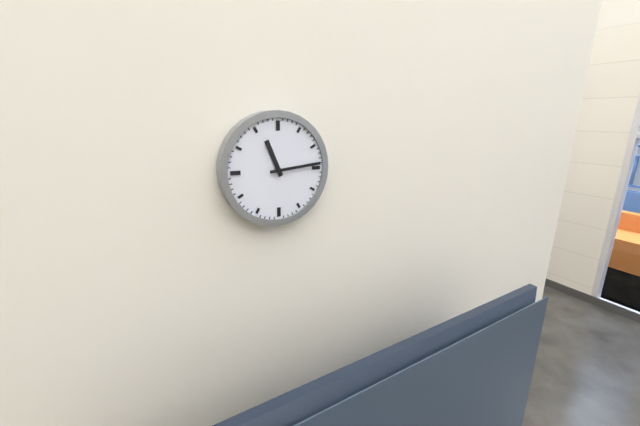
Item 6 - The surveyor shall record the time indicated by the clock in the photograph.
11:14
